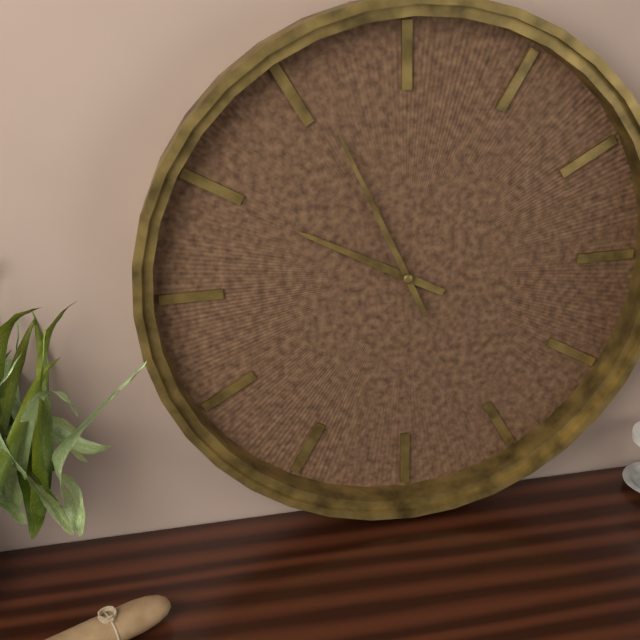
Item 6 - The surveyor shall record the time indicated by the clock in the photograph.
9:56
